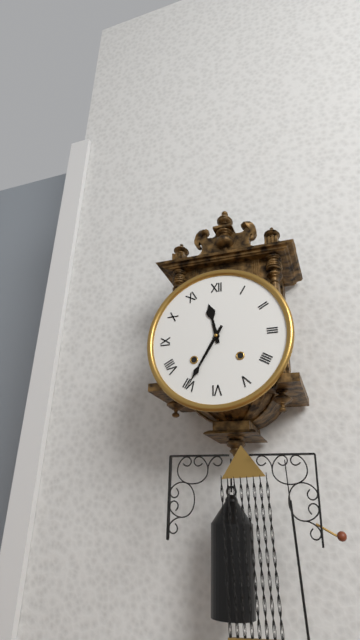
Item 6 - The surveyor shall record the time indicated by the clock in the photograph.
11:35
